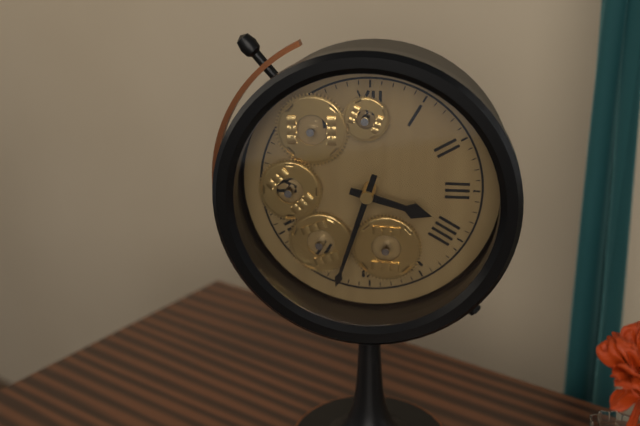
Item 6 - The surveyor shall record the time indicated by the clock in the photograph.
3:33
